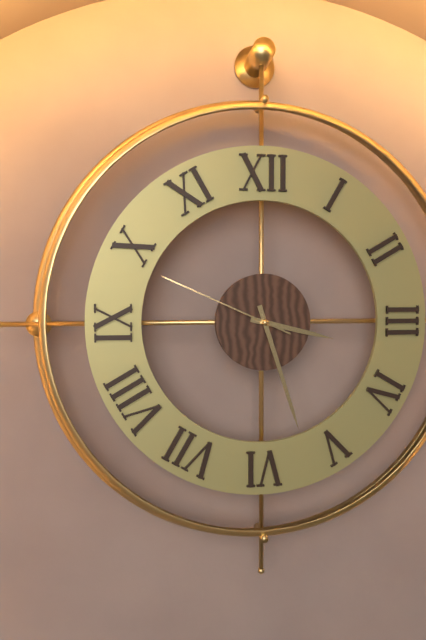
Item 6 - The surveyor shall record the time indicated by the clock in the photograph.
3:27:49
